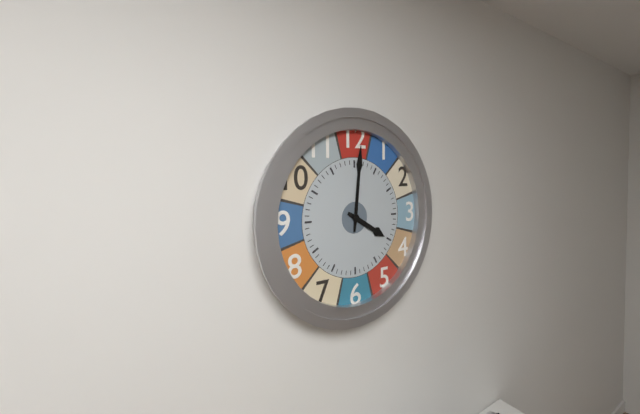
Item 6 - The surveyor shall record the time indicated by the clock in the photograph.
4:01
